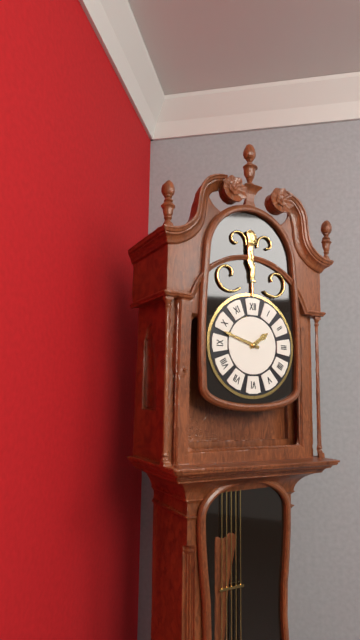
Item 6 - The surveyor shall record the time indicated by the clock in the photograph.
1:48
